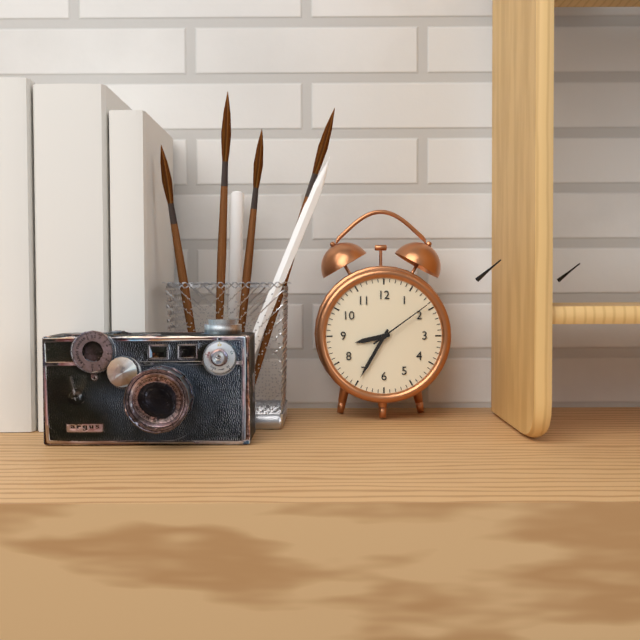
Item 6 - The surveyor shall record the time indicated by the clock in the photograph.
8:35:09
